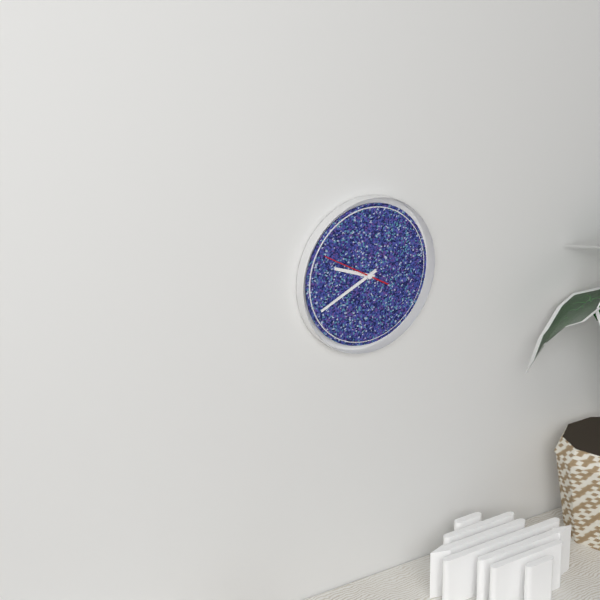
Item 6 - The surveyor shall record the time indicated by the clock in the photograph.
9:41:50
